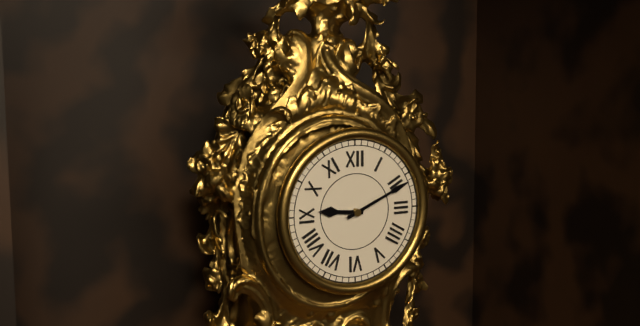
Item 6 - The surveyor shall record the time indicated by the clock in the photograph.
9:11
